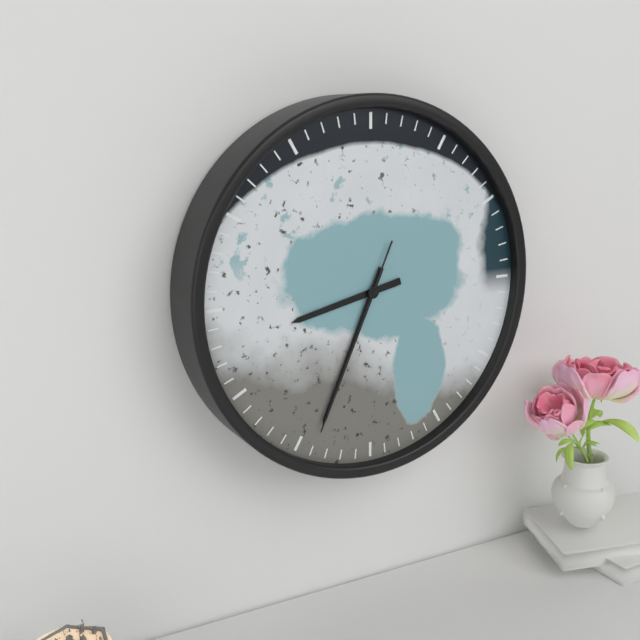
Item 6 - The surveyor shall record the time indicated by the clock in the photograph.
8:34:34
